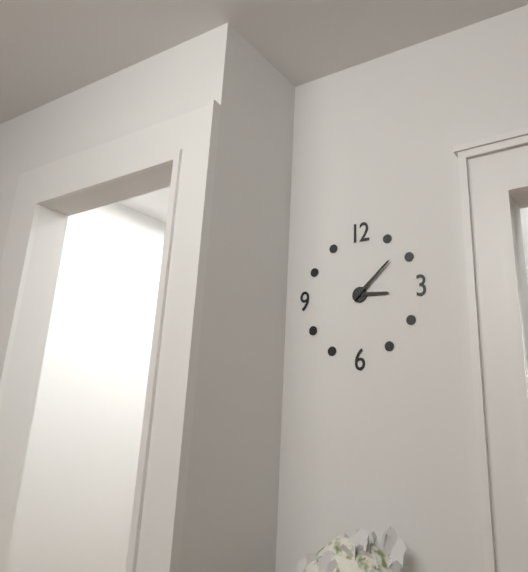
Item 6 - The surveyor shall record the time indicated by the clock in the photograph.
3:08
